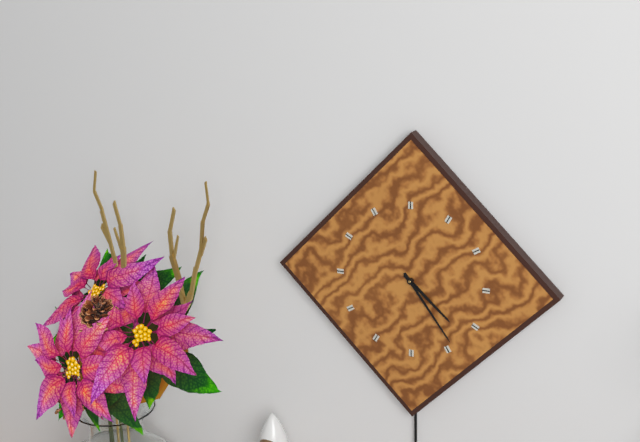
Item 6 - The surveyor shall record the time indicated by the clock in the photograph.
4:24
